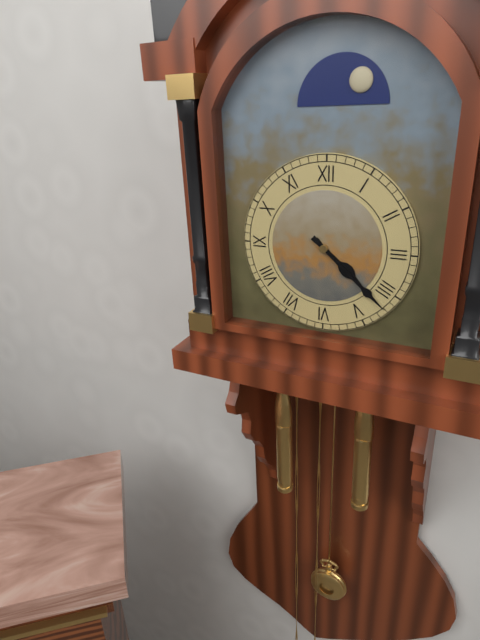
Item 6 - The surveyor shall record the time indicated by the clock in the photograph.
4:22
